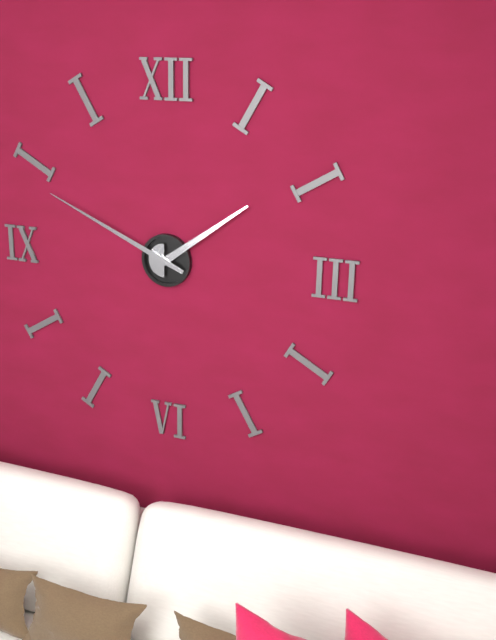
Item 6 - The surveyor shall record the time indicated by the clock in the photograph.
1:49
